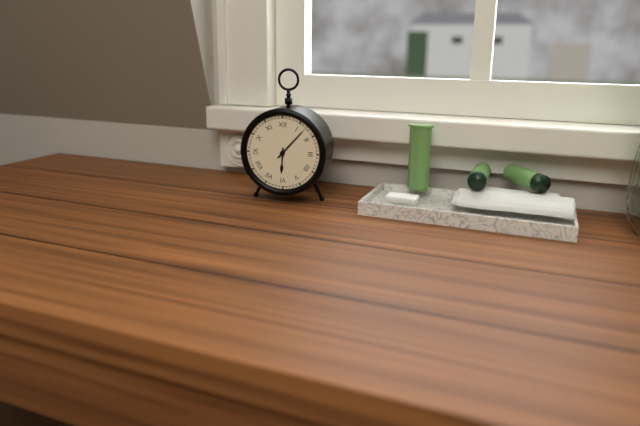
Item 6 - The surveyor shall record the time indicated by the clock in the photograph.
6:07
